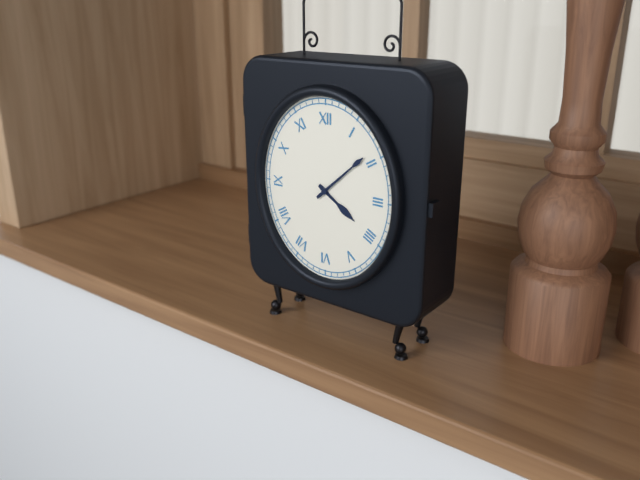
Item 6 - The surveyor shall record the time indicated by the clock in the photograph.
4:08
